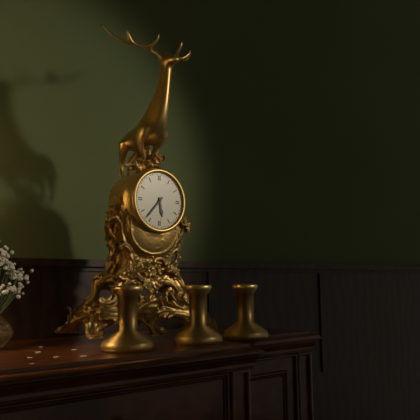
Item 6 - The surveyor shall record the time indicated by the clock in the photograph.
5:37
